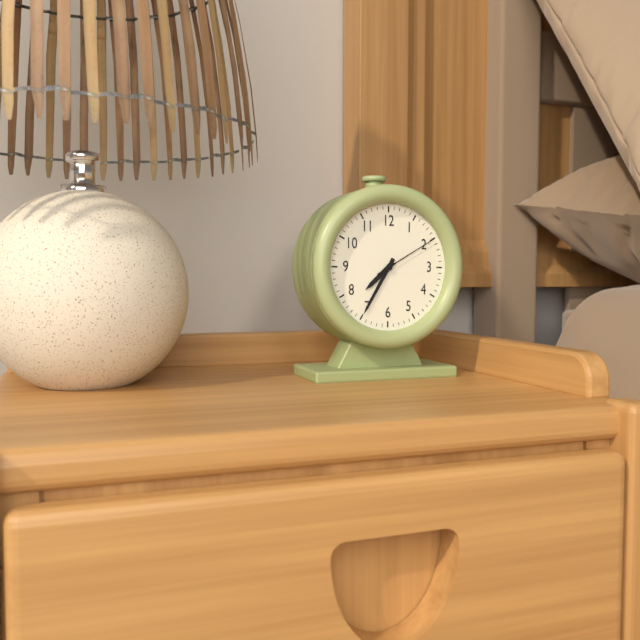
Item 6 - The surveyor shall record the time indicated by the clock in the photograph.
7:35:10
